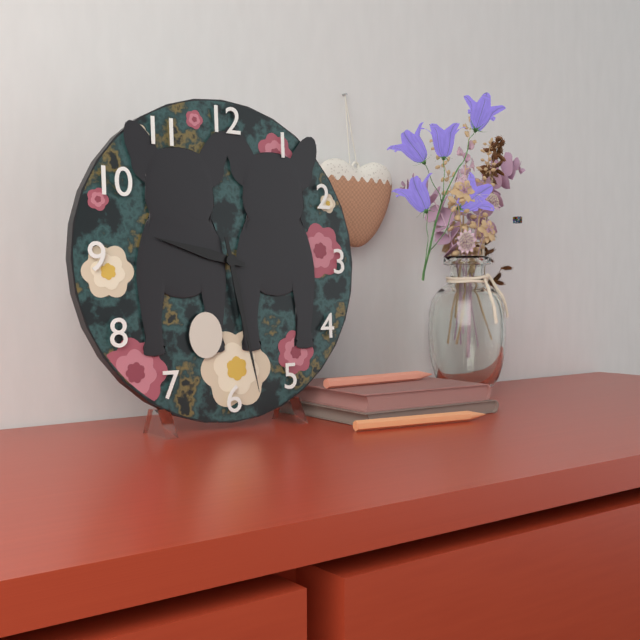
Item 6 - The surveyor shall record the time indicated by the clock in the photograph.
9:28
